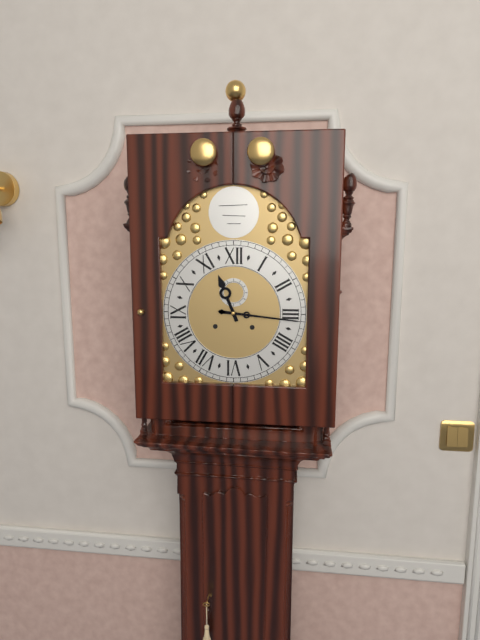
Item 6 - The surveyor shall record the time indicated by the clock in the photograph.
11:16
